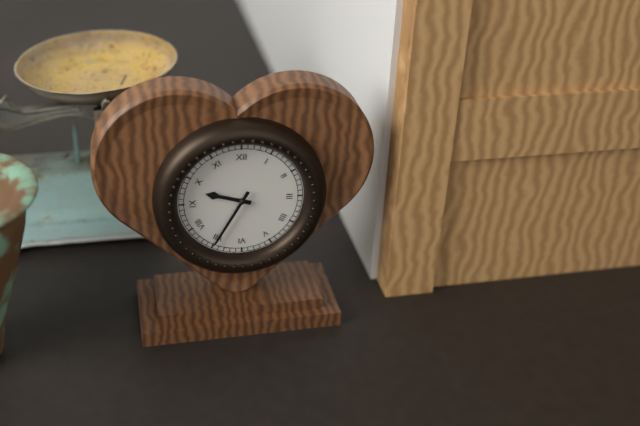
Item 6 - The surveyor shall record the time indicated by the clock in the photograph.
9:35
